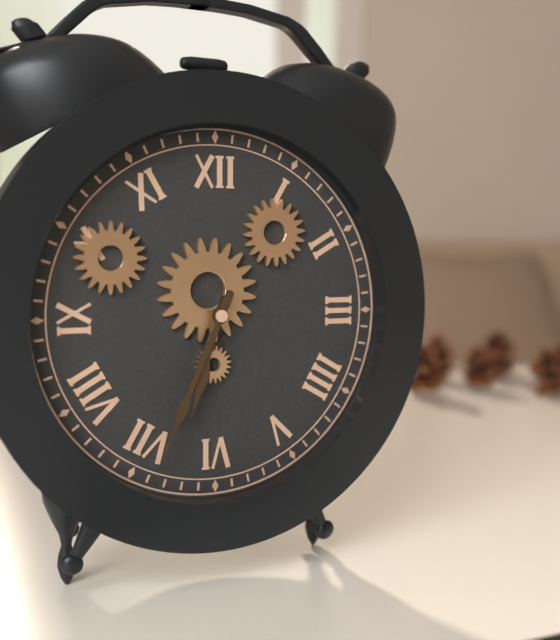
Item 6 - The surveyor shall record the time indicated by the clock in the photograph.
6:34
